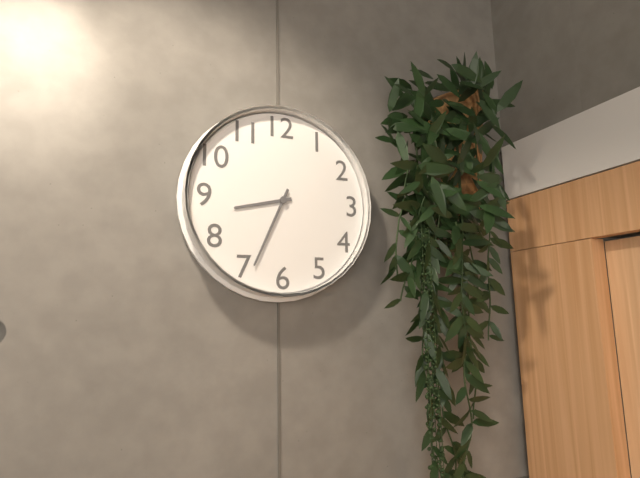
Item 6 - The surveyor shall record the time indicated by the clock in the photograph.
8:34
